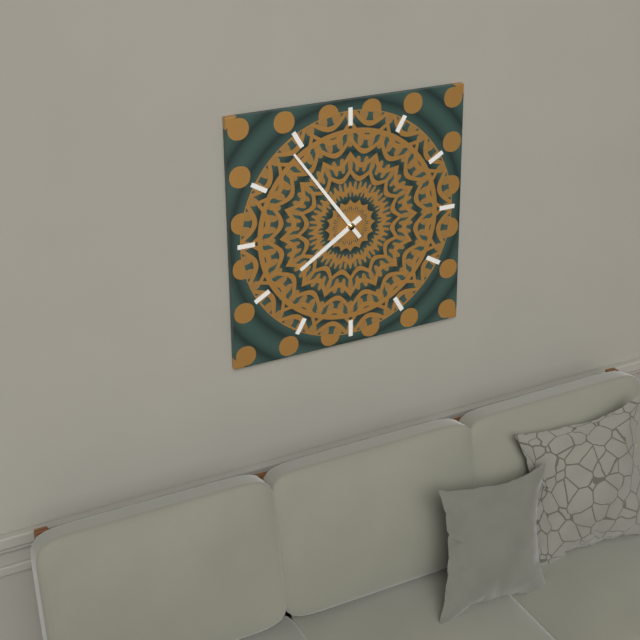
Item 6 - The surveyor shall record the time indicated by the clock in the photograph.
7:54
